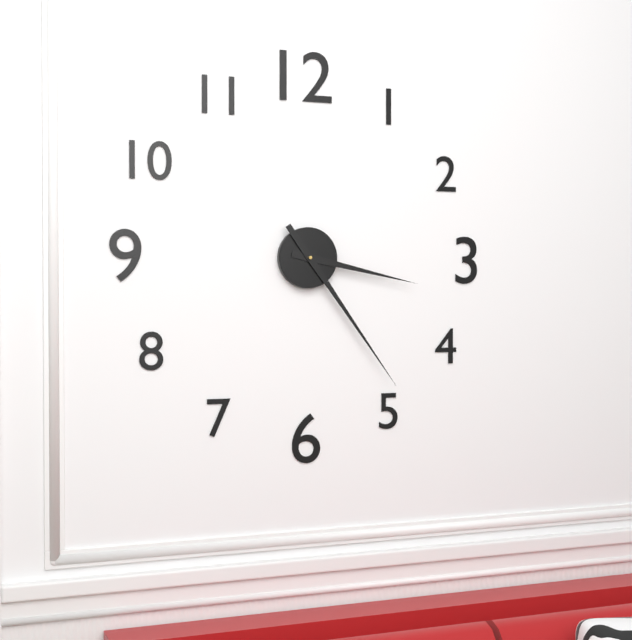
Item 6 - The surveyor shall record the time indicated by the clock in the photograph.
3:24
